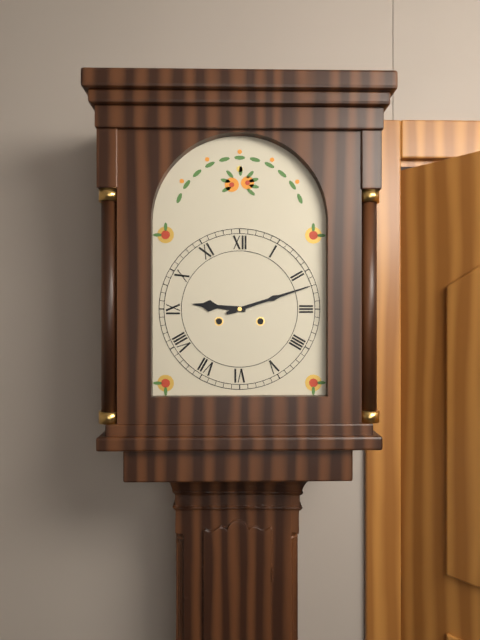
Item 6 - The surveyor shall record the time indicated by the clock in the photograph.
9:12
